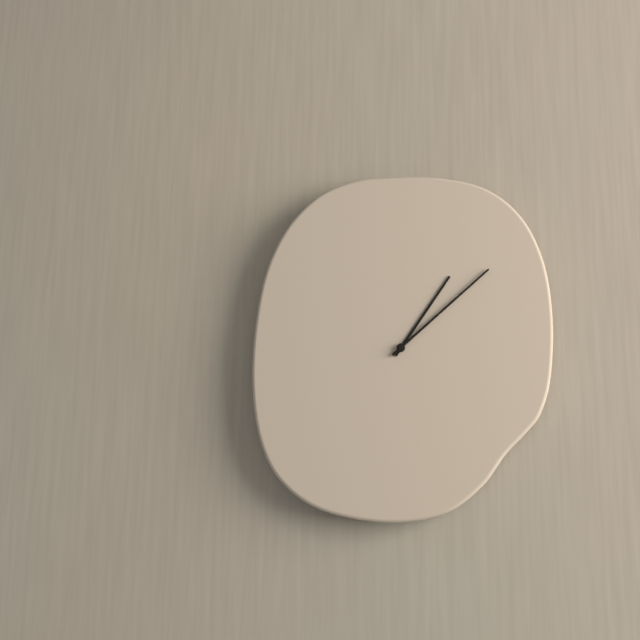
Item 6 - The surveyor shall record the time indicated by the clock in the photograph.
1:08
